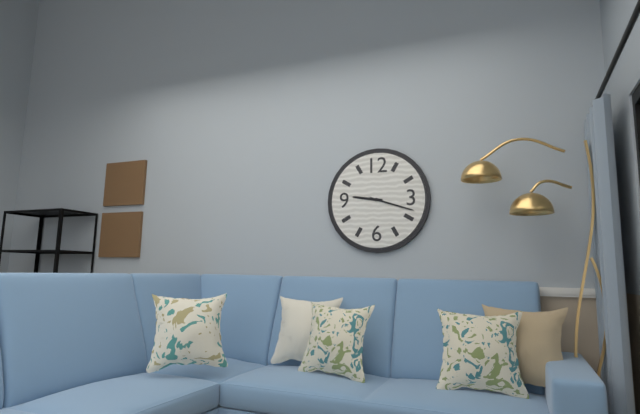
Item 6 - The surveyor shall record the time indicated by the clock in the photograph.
9:18
